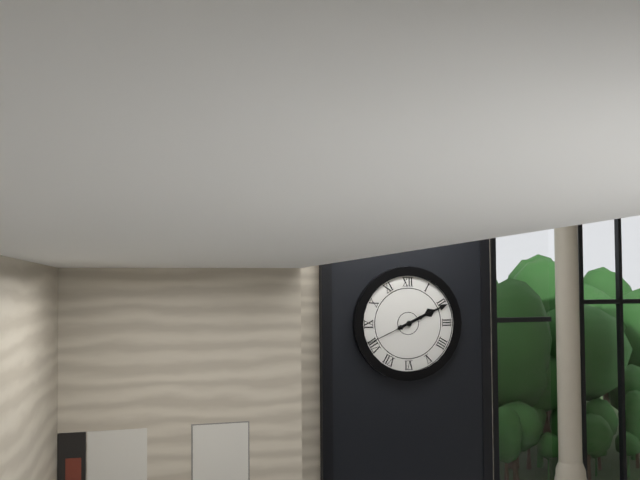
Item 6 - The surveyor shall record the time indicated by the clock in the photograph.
2:11:41
